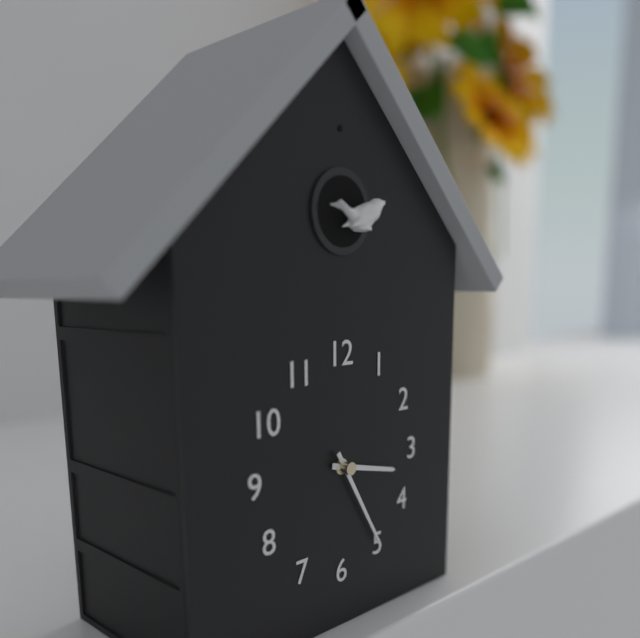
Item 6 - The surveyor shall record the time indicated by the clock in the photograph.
3:25
